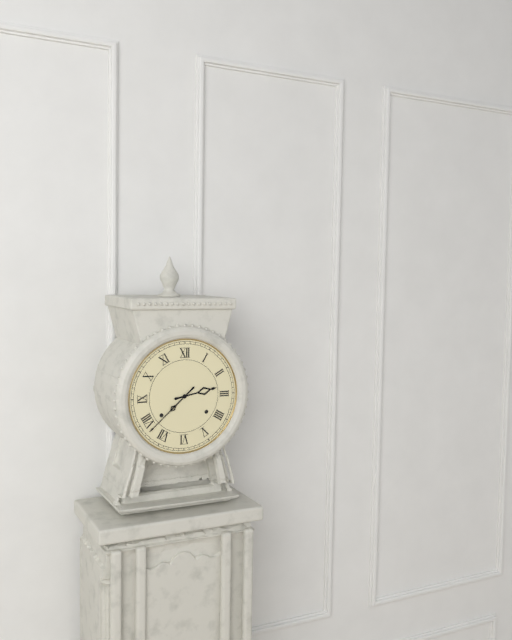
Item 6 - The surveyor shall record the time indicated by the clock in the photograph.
2:38
